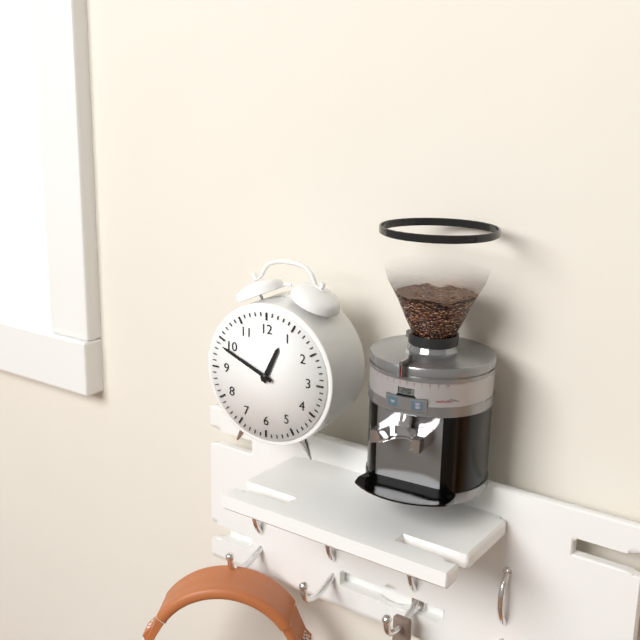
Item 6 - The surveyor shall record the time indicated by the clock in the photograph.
12:49
